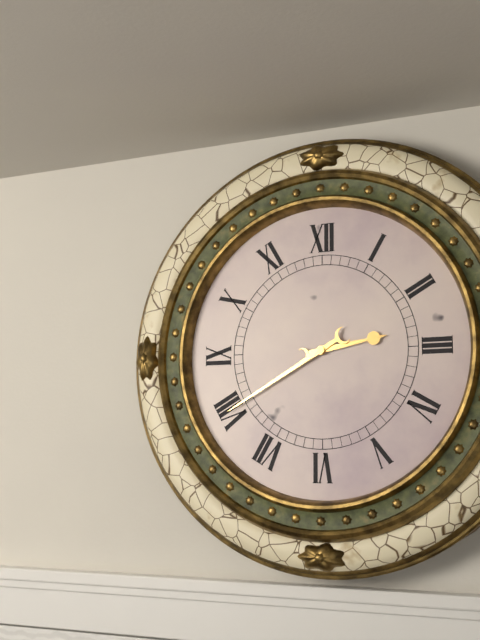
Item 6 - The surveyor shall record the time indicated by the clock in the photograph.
2:40
